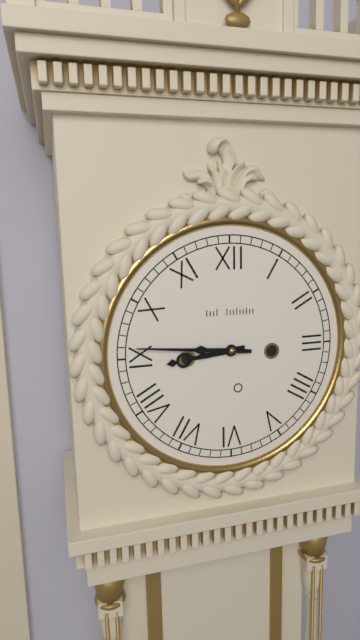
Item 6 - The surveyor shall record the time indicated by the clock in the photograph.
8:46
